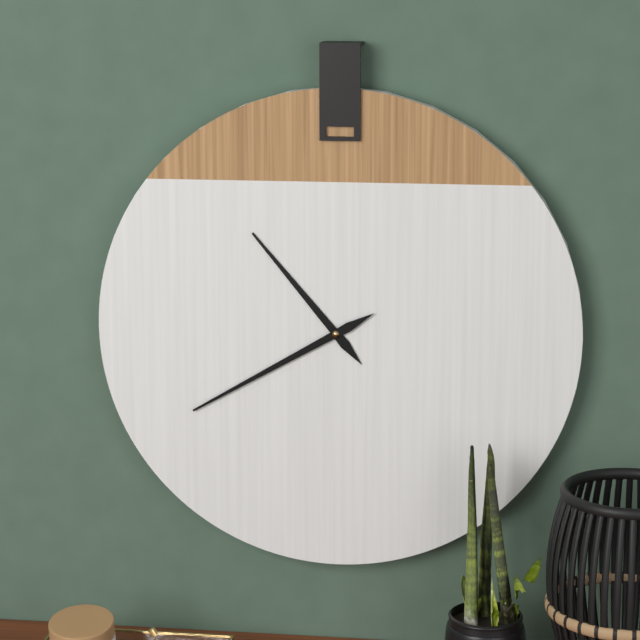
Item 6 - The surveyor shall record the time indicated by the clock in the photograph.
10:40
